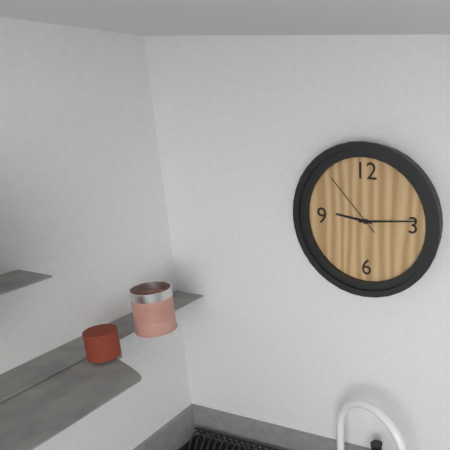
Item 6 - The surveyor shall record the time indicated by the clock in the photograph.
9:14:53
